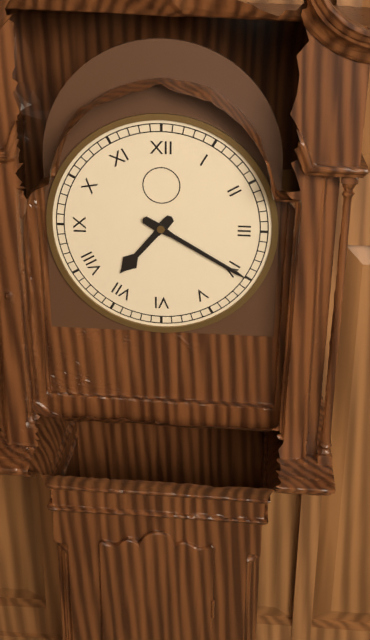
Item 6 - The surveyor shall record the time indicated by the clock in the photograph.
7:20
